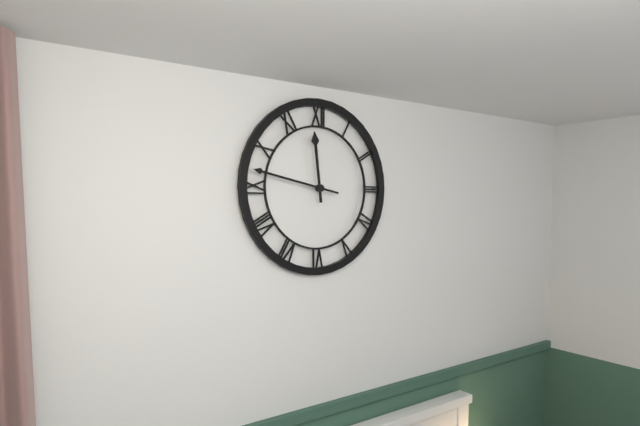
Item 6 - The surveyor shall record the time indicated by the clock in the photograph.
11:47
